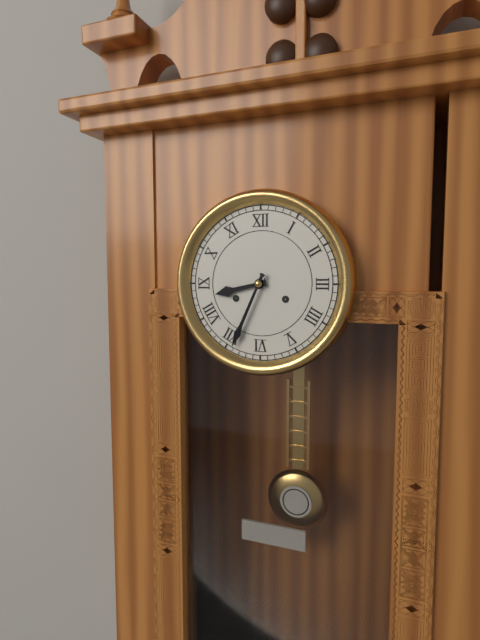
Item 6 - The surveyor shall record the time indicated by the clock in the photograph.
8:34
